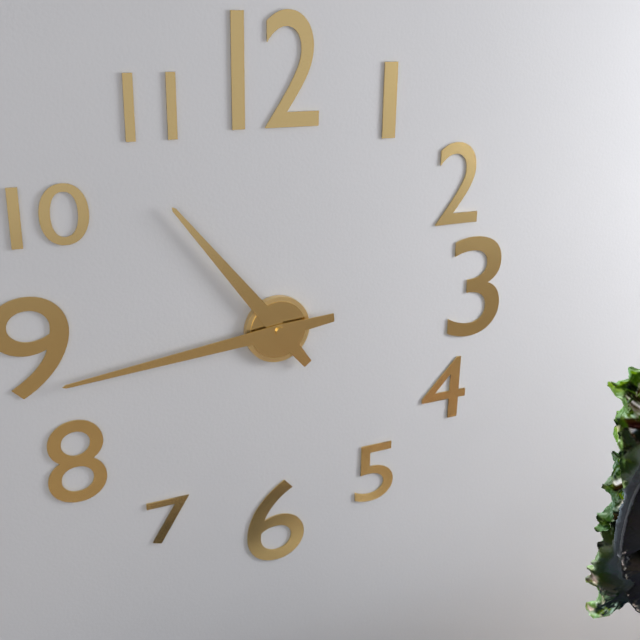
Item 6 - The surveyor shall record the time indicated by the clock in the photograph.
10:44
